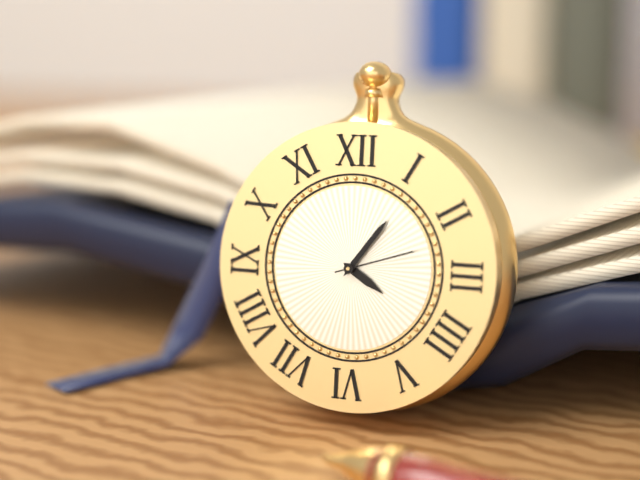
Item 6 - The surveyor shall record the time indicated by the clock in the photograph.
4:06:12
